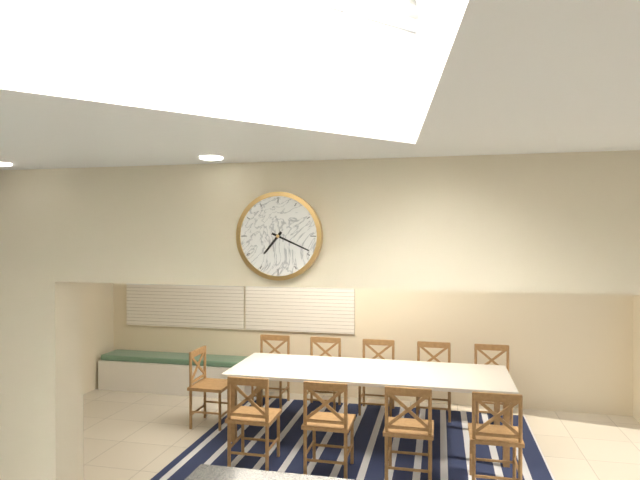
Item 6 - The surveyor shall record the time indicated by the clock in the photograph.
7:19
